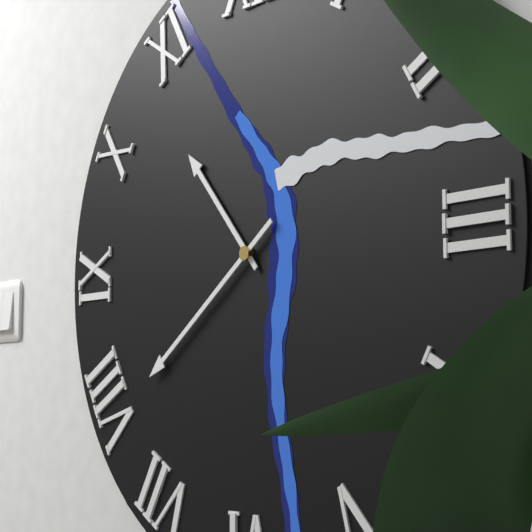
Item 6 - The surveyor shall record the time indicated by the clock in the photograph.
10:39
